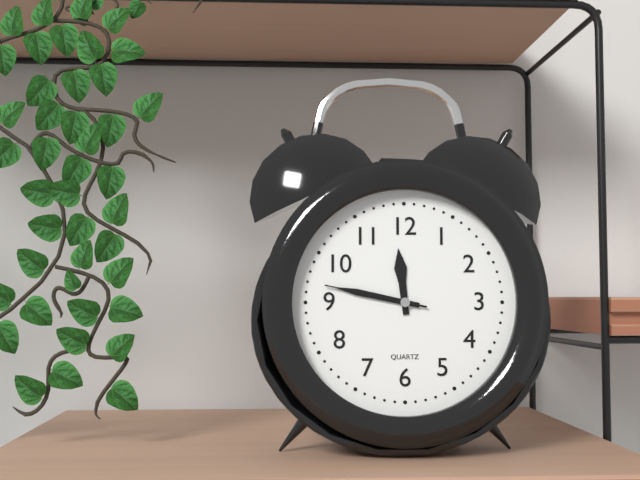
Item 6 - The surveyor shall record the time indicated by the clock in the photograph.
11:47:47
